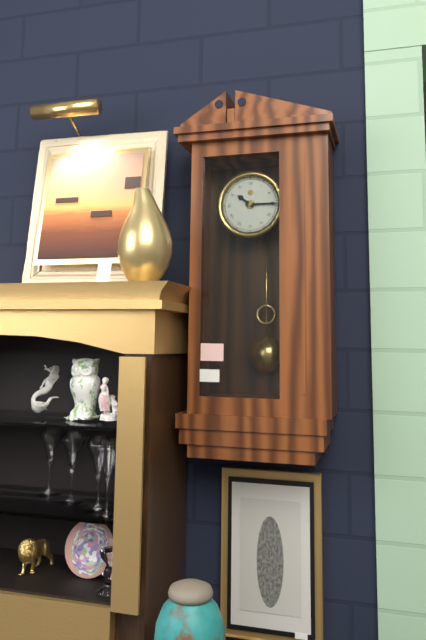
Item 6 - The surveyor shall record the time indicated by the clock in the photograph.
10:15
